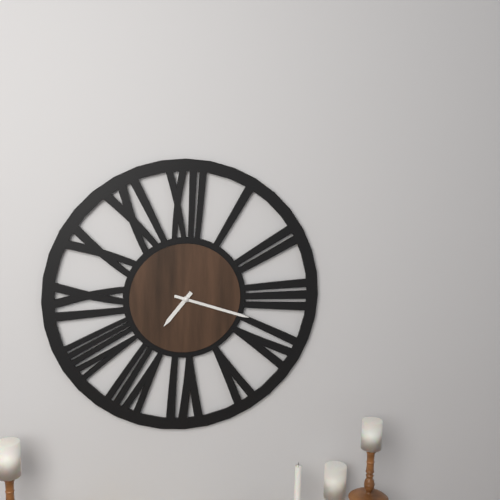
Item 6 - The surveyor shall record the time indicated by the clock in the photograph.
7:18
